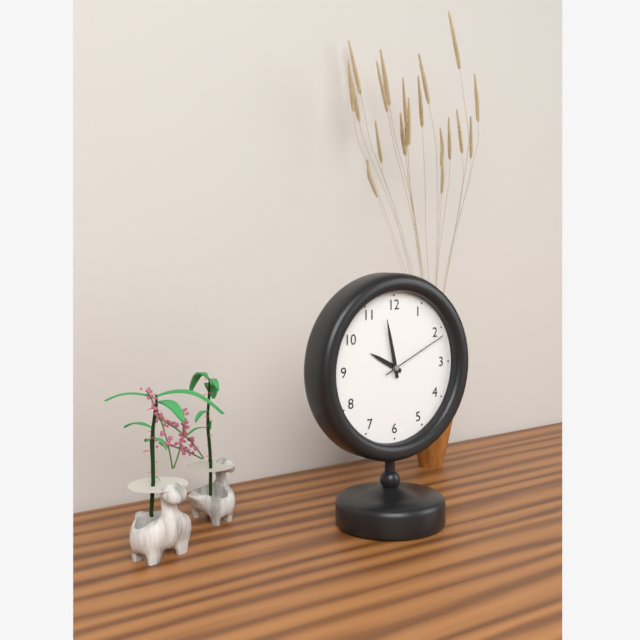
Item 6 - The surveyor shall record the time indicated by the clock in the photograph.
9:58:11
